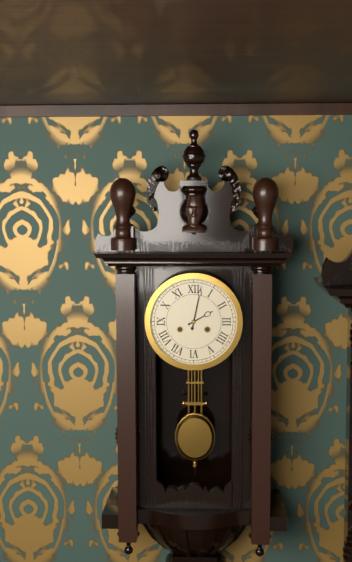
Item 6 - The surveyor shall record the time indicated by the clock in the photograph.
2:02
